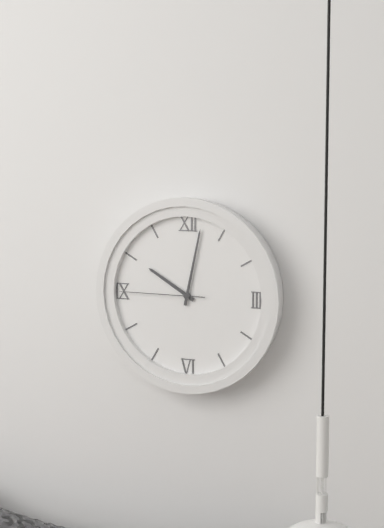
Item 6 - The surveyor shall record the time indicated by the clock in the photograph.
10:02:45
